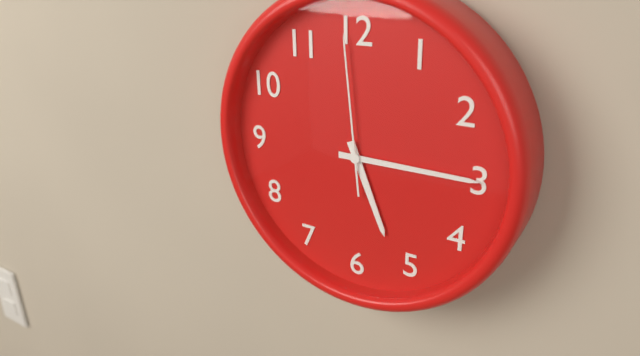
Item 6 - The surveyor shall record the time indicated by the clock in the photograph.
5:15:59
